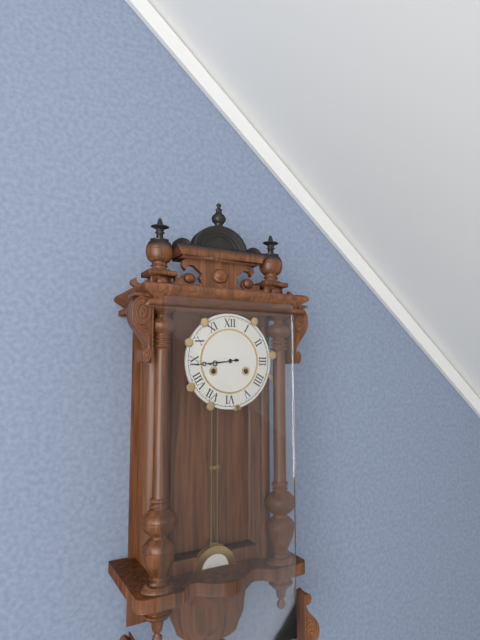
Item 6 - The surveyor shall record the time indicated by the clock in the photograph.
8:44
